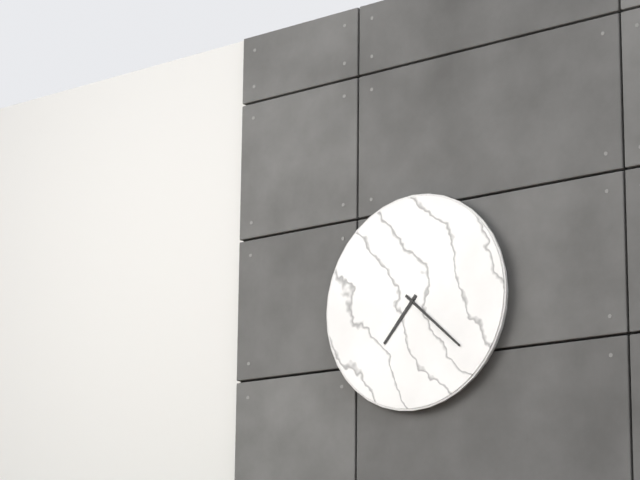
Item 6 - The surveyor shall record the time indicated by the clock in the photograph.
7:22
